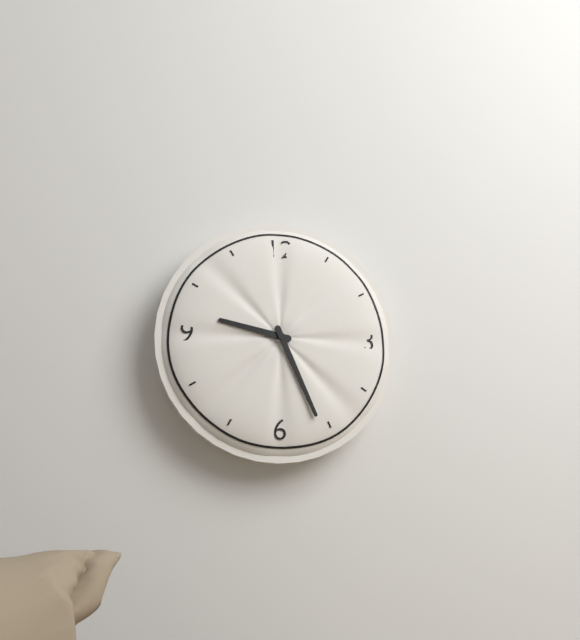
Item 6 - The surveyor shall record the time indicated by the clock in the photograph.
9:26
